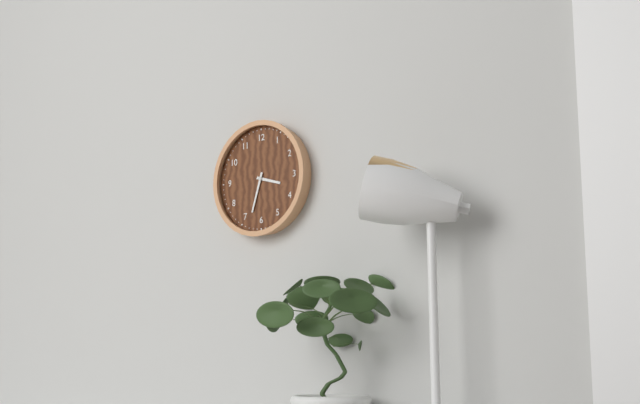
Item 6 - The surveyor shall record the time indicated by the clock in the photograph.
3:33
